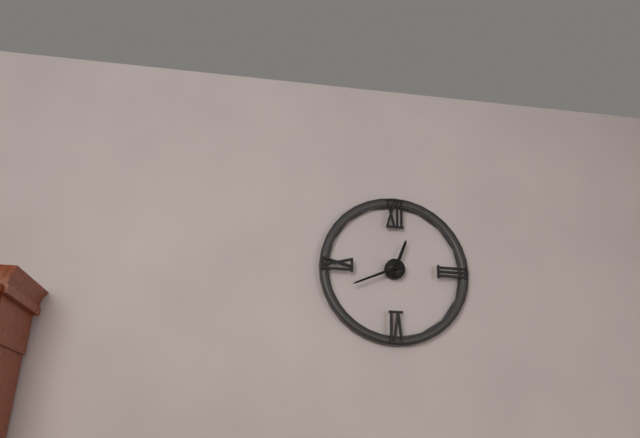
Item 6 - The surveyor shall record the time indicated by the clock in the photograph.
12:41
